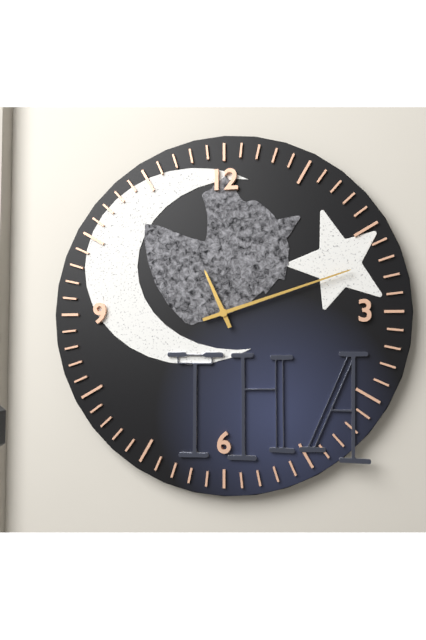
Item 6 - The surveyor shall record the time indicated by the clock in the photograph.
11:12
